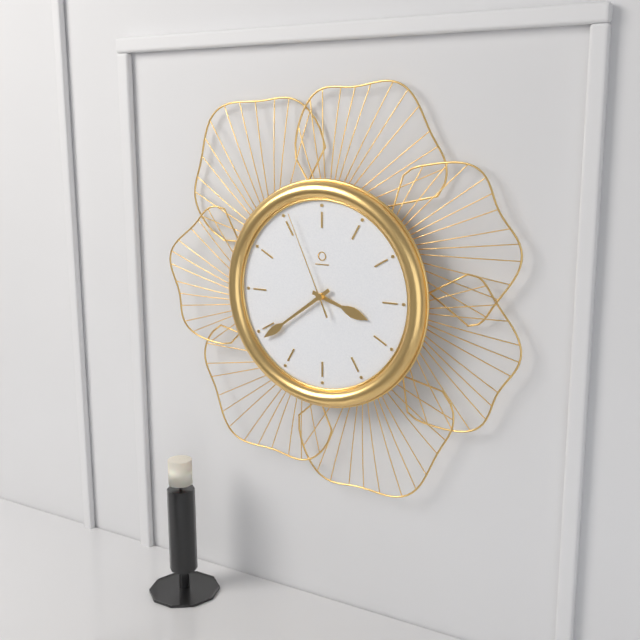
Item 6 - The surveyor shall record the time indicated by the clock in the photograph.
3:39:56
